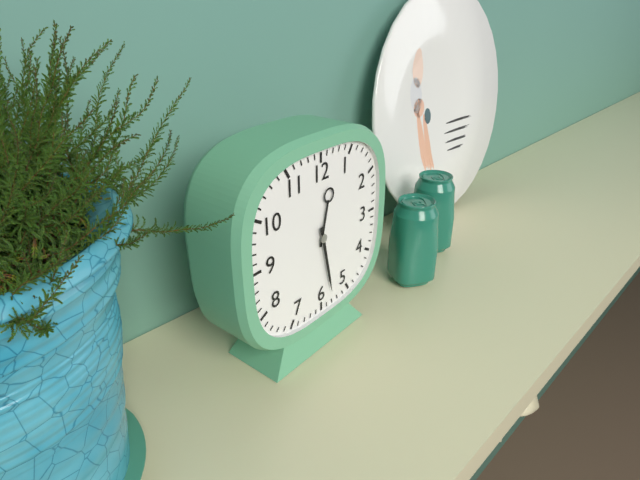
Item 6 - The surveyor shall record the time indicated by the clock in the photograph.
12:28
